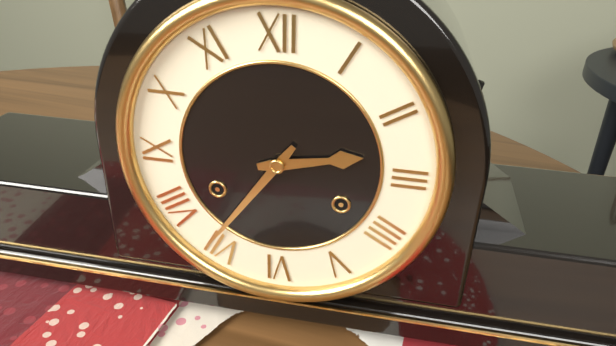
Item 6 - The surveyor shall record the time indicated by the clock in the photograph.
2:36
